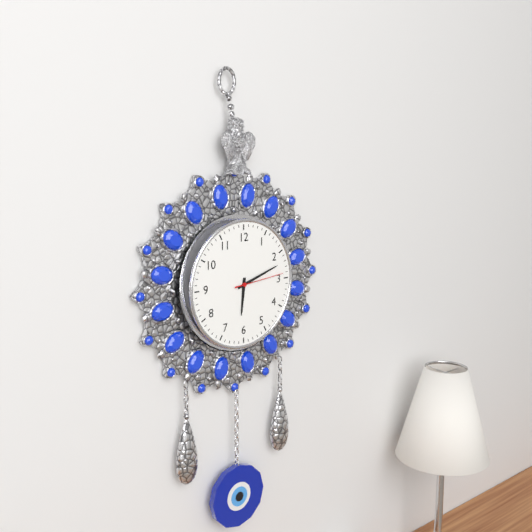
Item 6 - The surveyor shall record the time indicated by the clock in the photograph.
6:12:14
